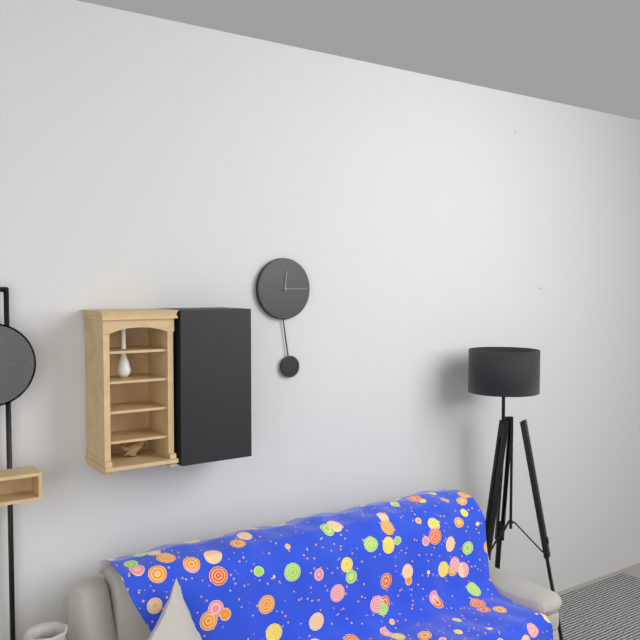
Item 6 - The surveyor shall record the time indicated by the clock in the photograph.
12:15
